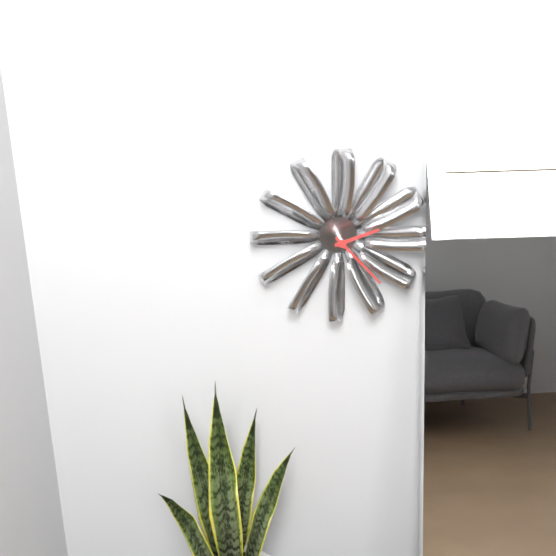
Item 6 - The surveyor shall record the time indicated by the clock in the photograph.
2:23
